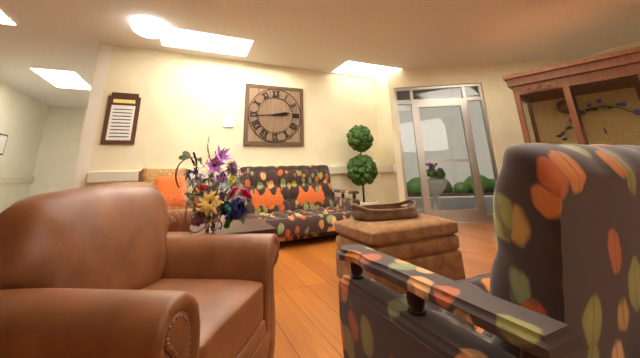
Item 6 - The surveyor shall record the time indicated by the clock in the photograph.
2:44
